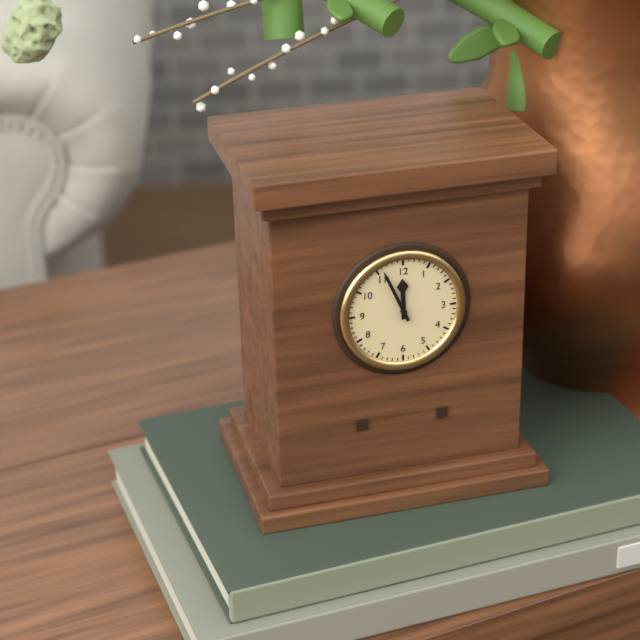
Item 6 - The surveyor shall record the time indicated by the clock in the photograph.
11:56
